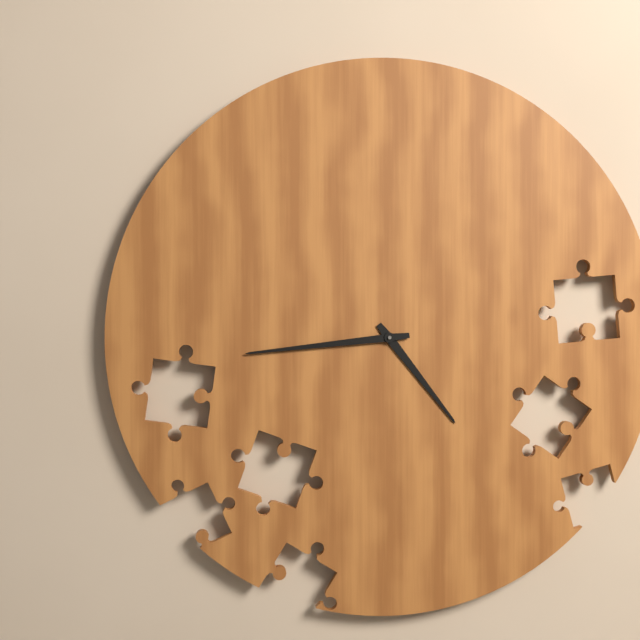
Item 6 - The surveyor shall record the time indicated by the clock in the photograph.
4:44
